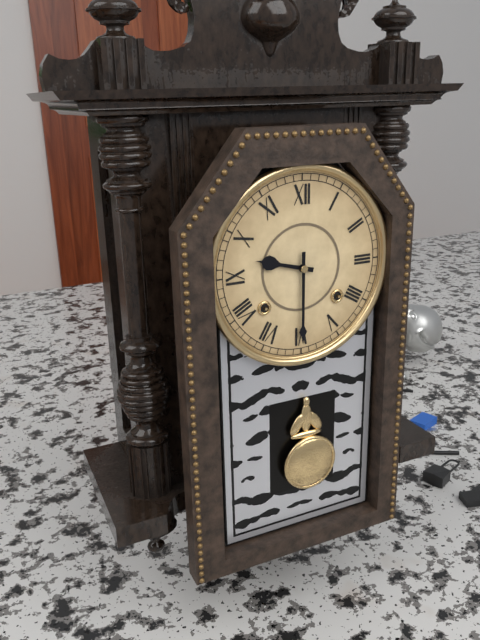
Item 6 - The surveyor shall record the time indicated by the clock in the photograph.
9:30
